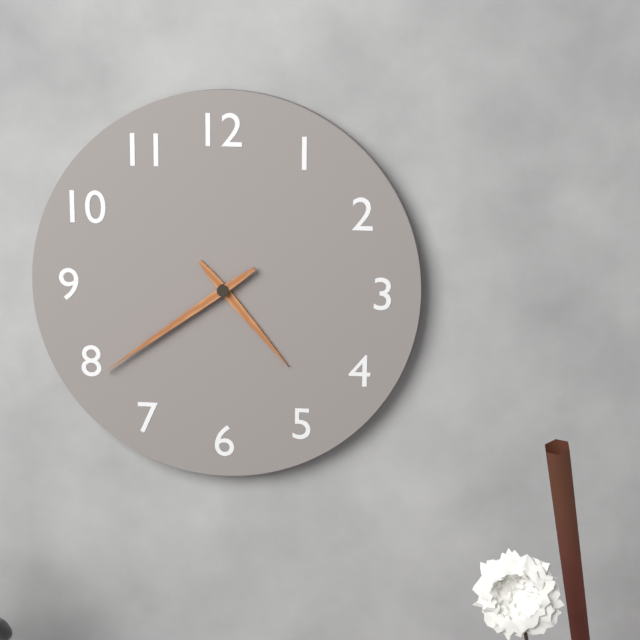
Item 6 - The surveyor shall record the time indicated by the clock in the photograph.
4:39
